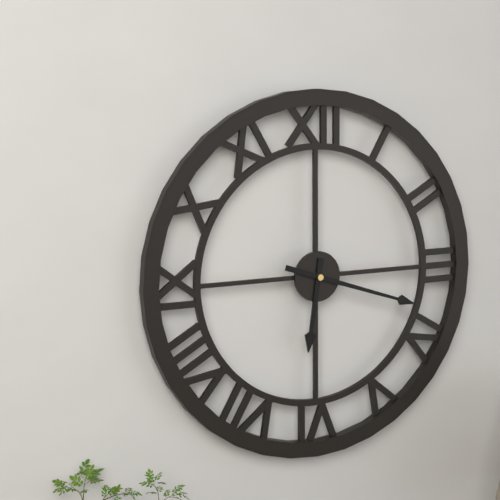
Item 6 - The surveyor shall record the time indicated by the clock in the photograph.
6:18
